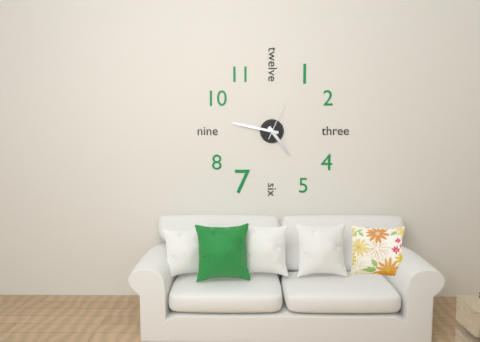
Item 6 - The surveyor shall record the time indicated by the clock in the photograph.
4:47
